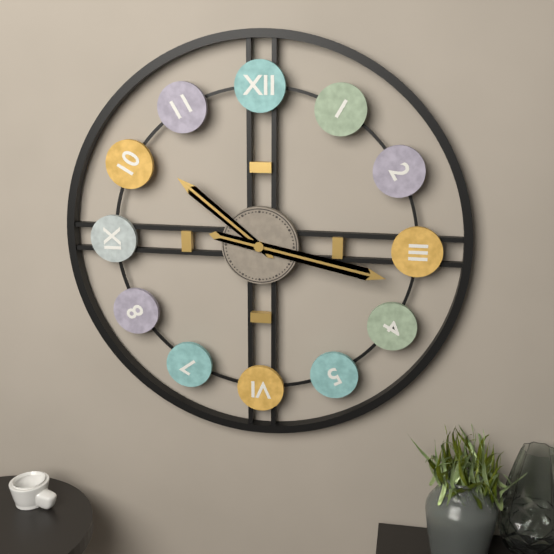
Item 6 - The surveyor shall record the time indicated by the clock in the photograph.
10:17
